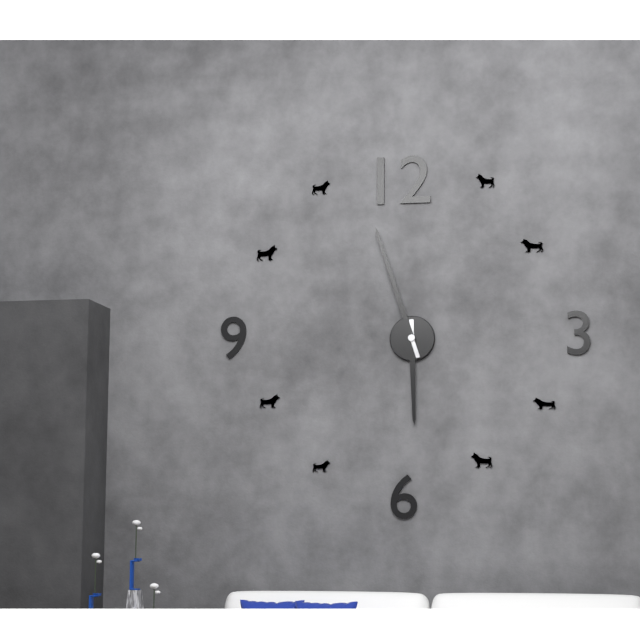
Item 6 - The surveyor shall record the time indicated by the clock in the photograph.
5:57
